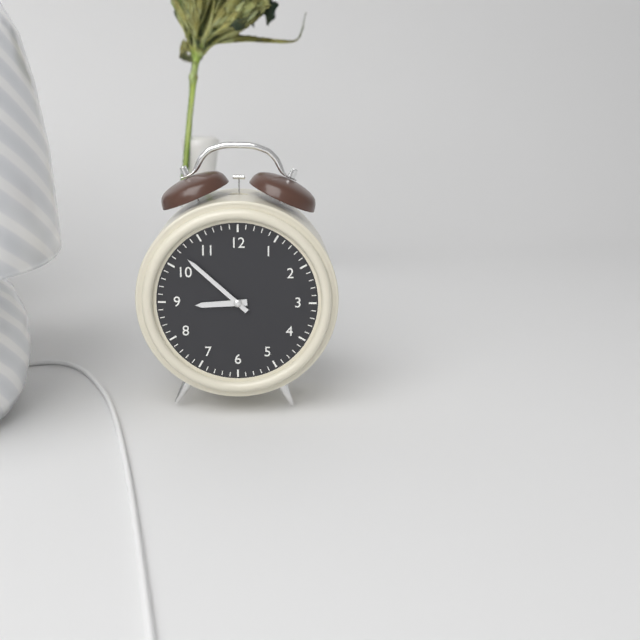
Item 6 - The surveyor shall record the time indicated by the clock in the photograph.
8:52
